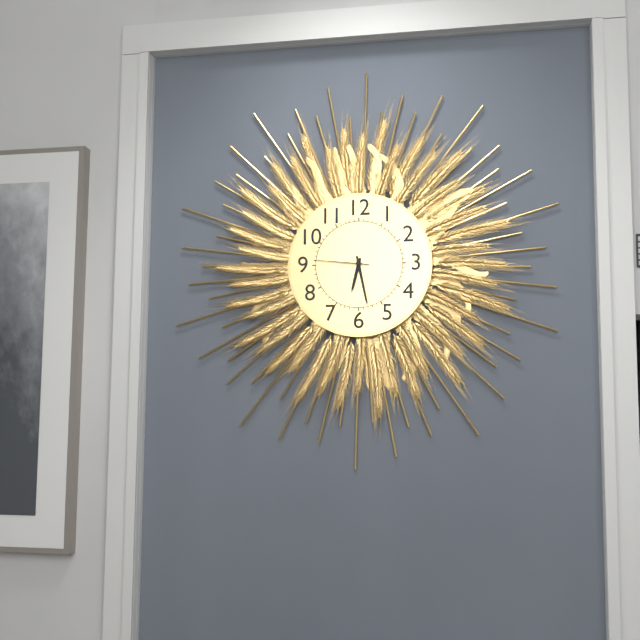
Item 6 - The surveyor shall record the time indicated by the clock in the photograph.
6:28:46
